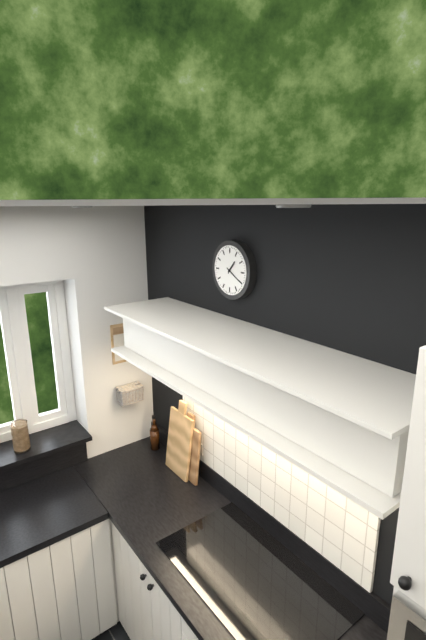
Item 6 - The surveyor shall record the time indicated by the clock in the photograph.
1:20
